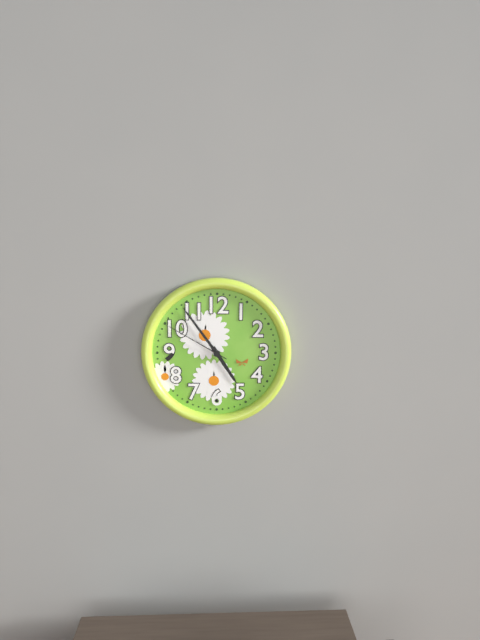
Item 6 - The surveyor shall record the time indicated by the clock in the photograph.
4:54:50
